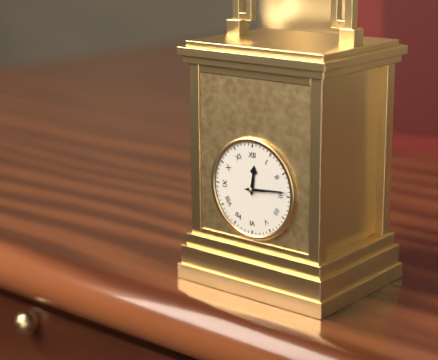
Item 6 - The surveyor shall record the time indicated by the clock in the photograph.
12:14
